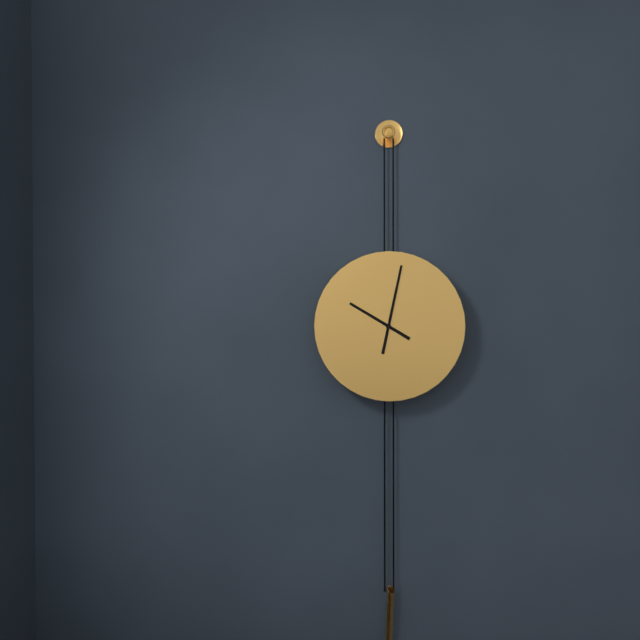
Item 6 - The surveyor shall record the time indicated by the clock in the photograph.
10:02
